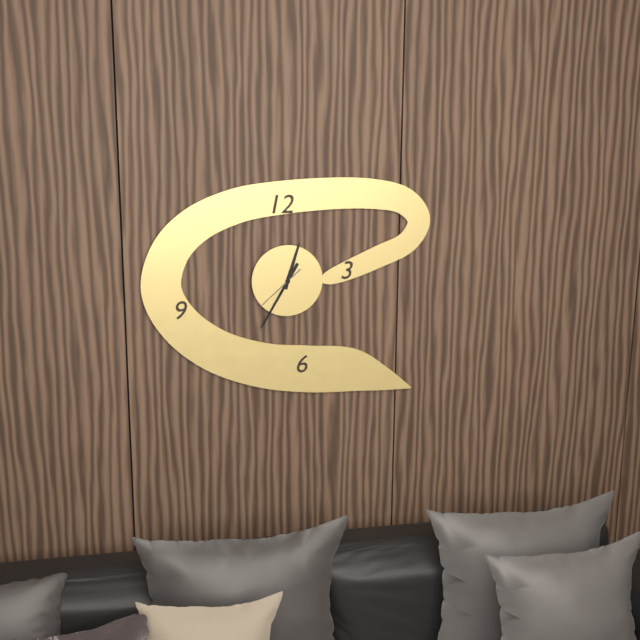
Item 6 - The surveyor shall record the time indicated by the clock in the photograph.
12:35:38
